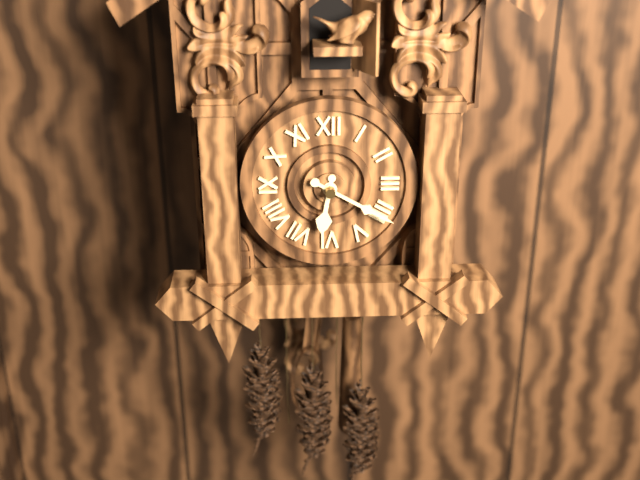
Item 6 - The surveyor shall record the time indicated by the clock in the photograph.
6:20
